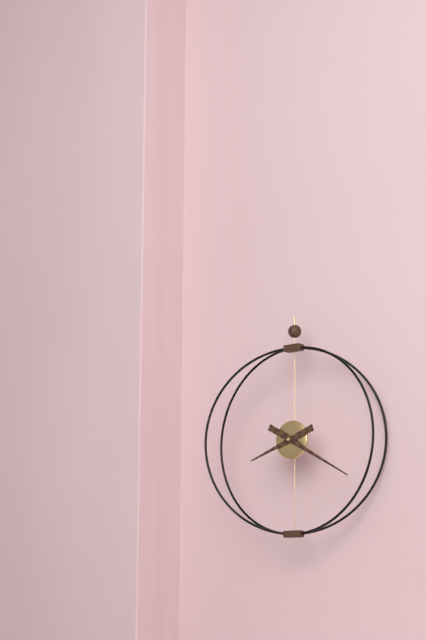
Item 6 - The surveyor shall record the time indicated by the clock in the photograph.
8:20
